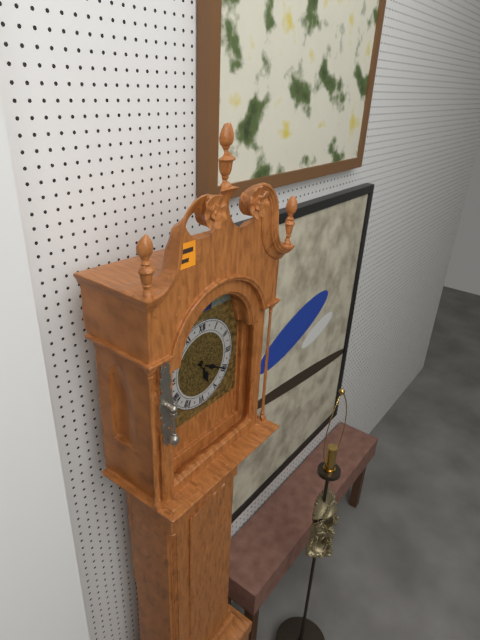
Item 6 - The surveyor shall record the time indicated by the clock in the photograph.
5:20
